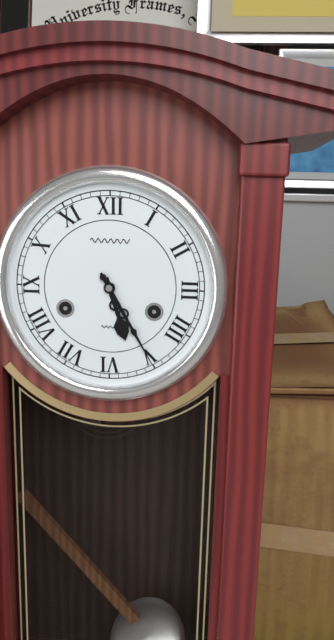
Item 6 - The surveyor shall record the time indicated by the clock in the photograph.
5:25
